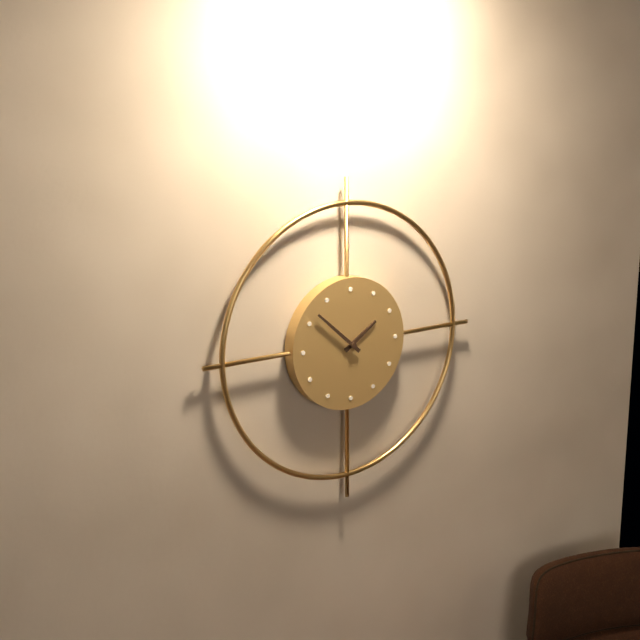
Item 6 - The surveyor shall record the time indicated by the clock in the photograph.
1:52
